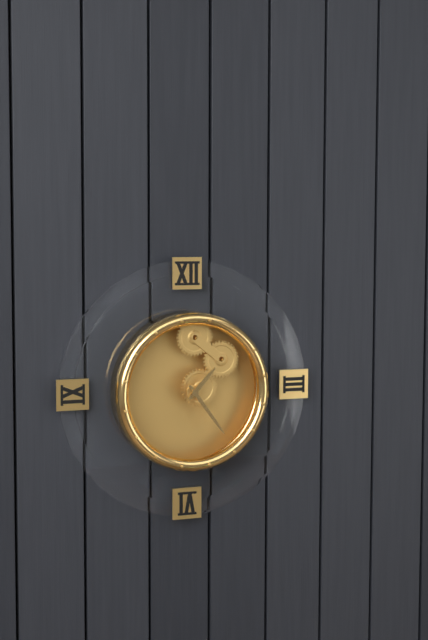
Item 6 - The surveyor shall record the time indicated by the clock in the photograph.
1:24
